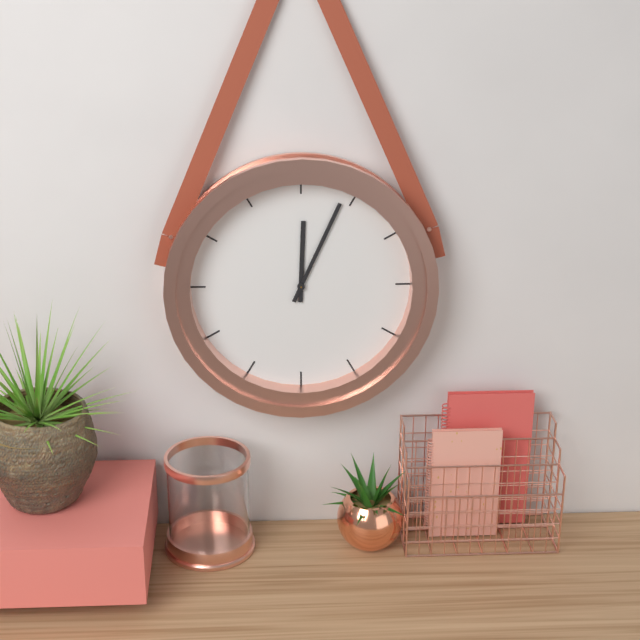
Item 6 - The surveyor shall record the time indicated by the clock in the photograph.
12:04
